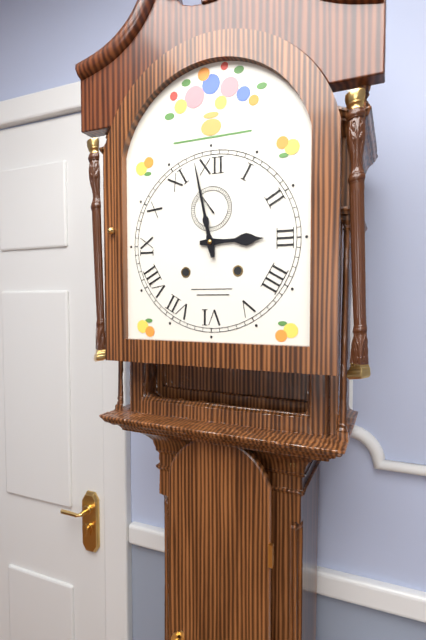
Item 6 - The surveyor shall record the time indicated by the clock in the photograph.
2:58
